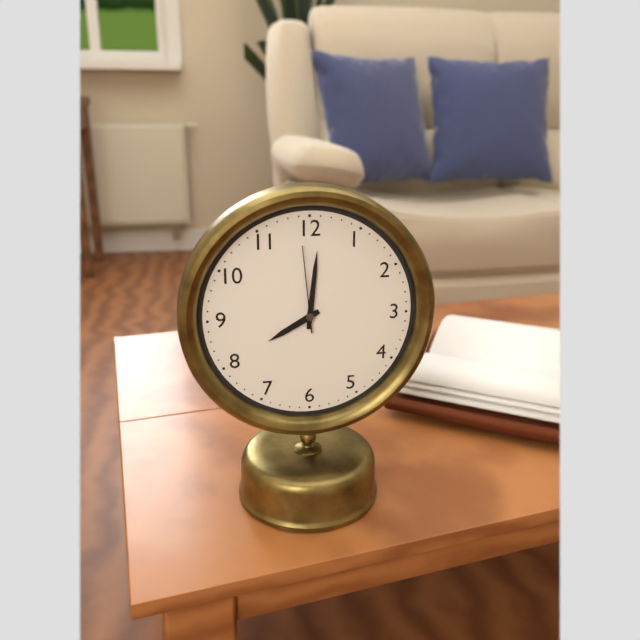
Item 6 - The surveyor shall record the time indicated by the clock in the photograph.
8:01:59
